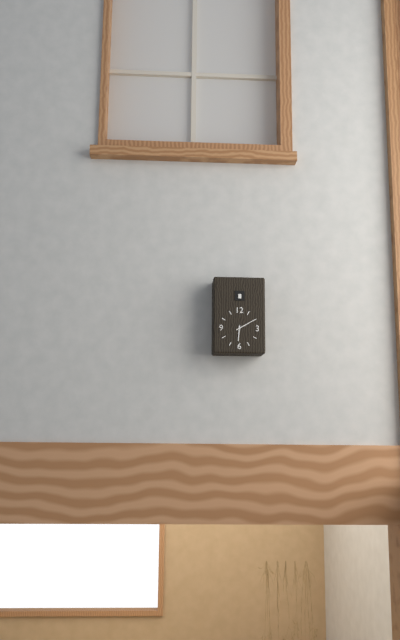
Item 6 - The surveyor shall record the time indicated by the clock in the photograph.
6:10
